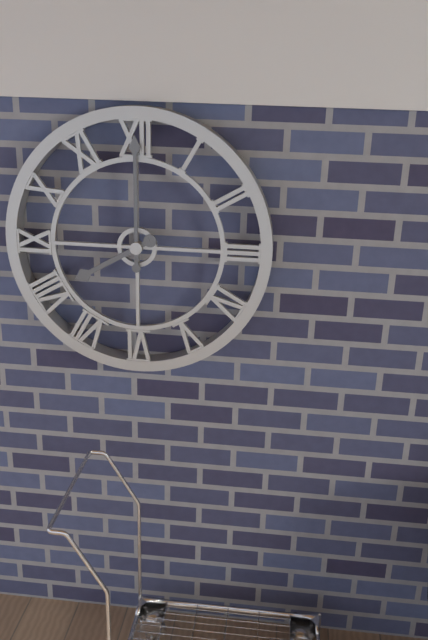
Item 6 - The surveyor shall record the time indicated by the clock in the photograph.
8:00
